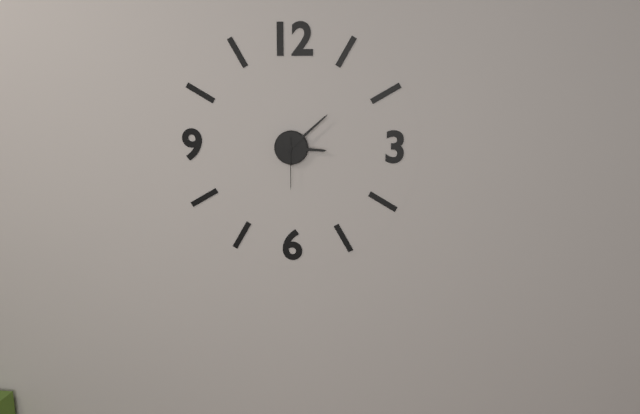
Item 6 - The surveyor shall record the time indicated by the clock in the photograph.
3:08:30
